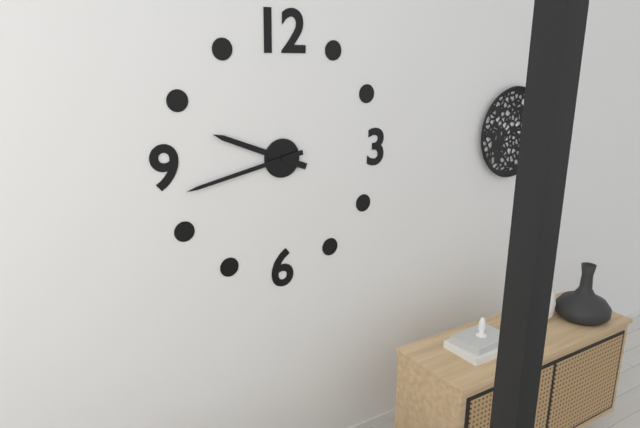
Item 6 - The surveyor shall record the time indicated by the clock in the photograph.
9:43
